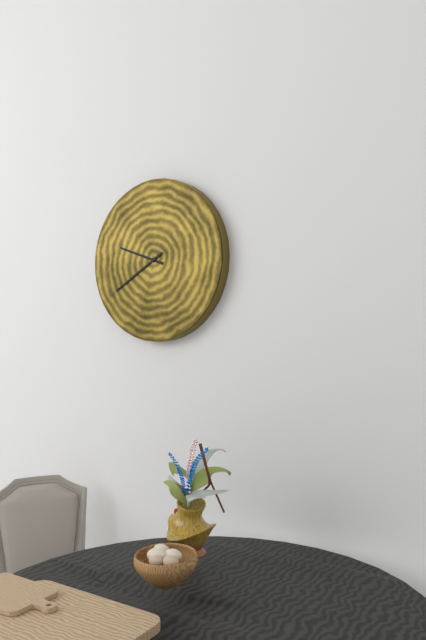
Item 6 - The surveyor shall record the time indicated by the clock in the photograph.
9:40
